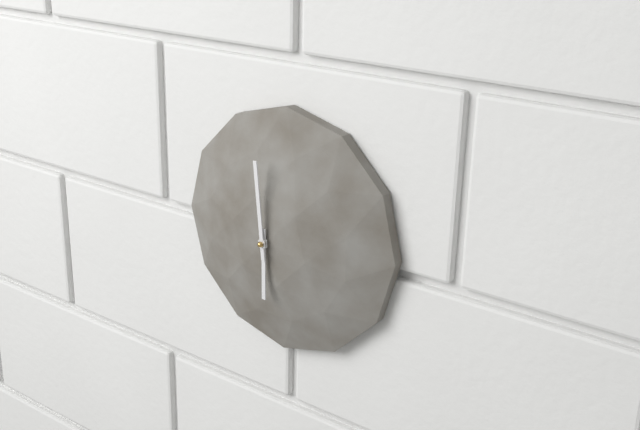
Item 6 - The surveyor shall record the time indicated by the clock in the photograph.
5:59
